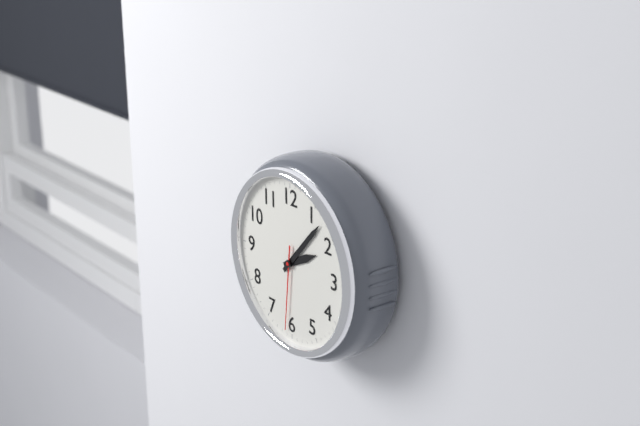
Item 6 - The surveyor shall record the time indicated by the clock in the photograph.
2:07:31
